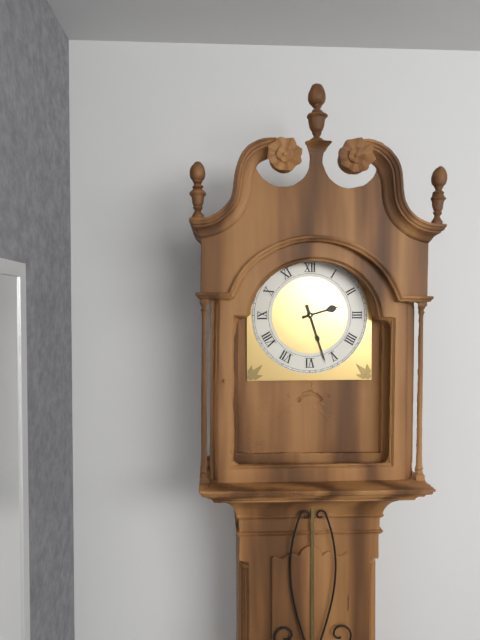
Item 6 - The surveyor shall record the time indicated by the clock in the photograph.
2:27
